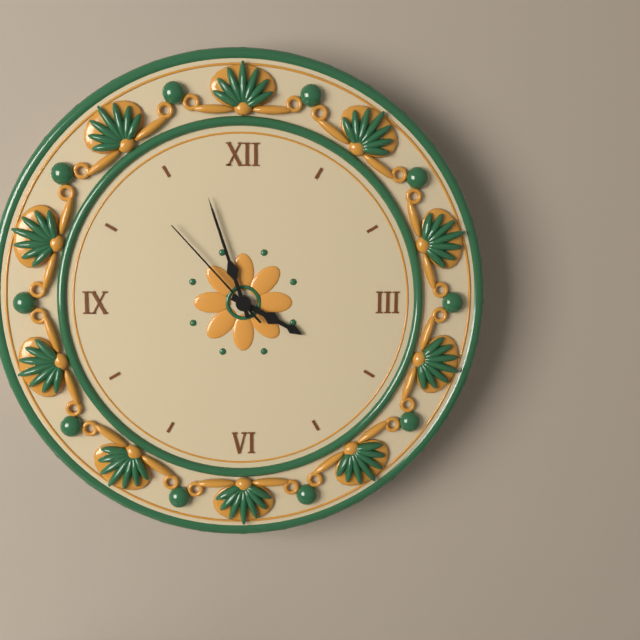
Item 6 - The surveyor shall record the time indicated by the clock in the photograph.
3:57:53
